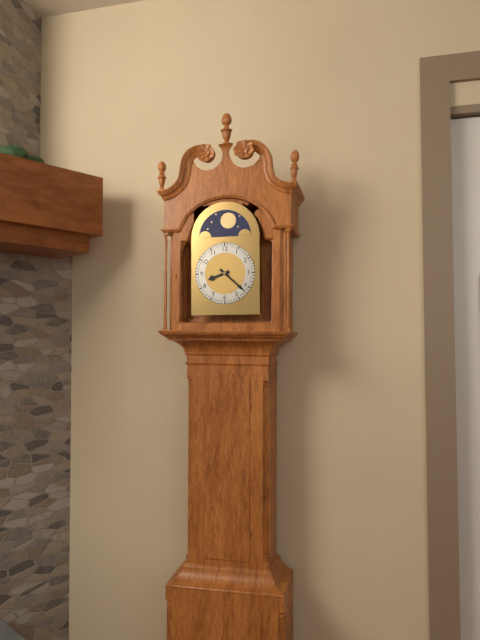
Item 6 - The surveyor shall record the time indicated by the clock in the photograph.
8:22
